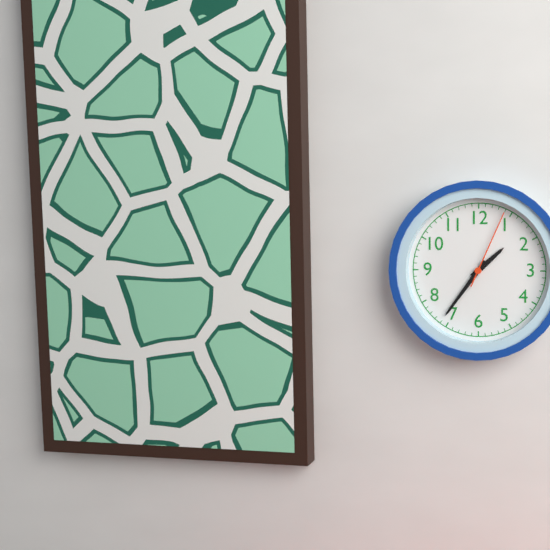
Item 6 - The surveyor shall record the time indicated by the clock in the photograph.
1:36:04
